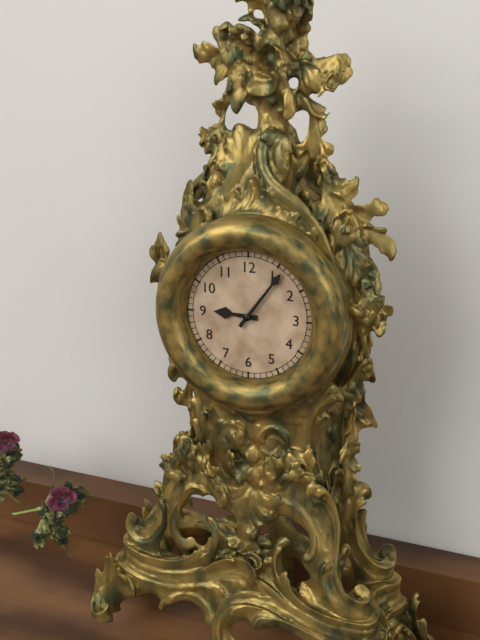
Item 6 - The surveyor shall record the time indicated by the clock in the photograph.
9:06
